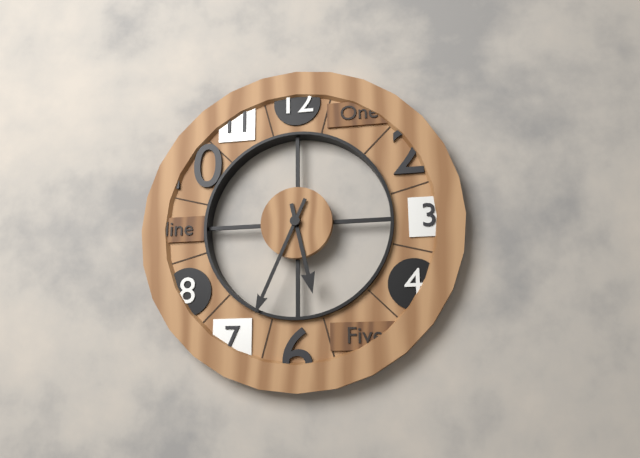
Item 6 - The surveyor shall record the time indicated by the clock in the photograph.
5:34
